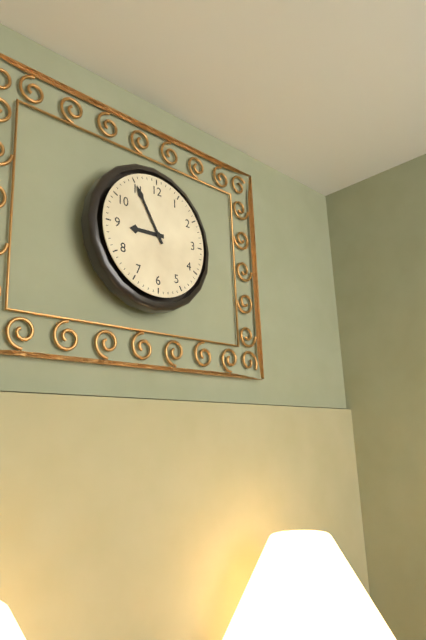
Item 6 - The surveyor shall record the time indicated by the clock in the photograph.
8:55
